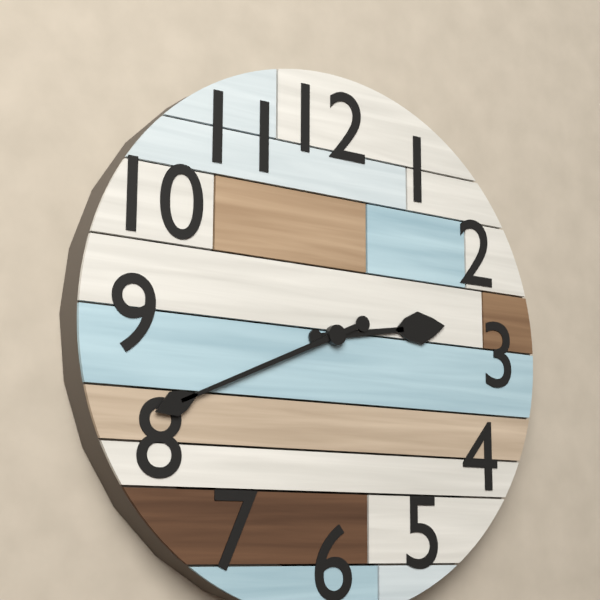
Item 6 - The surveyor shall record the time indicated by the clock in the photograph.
2:41
